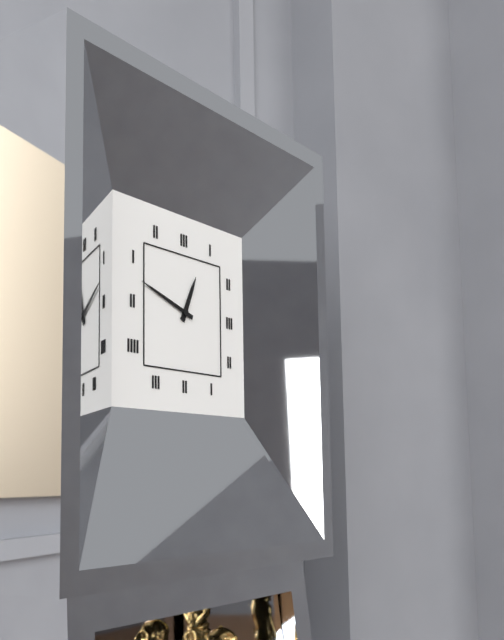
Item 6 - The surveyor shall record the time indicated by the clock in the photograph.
12:48
